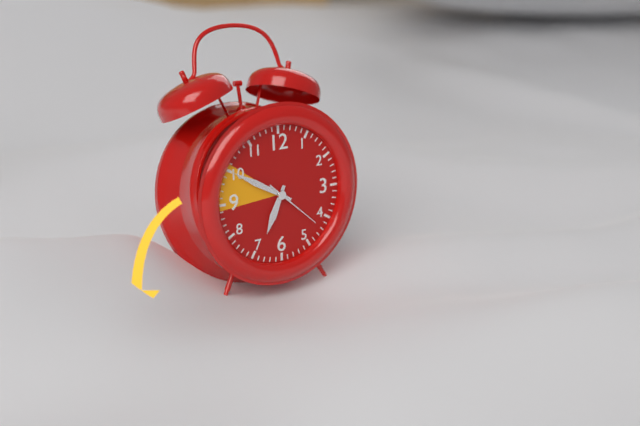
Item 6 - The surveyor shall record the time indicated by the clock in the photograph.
6:50:22
